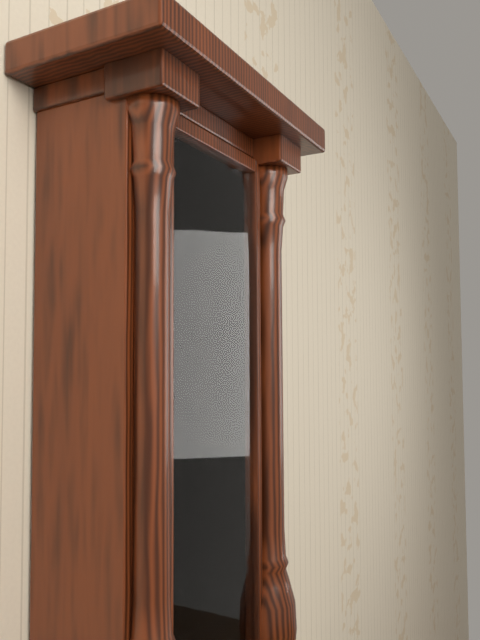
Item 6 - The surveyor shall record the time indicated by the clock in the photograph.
10:27
